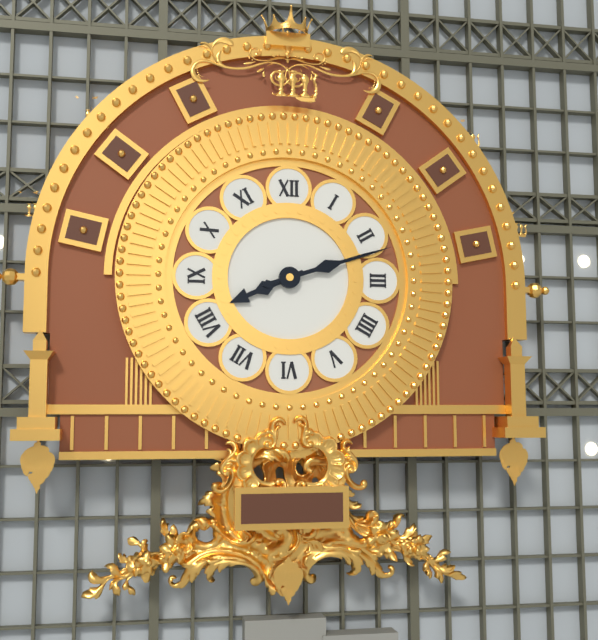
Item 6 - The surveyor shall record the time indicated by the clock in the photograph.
8:12
